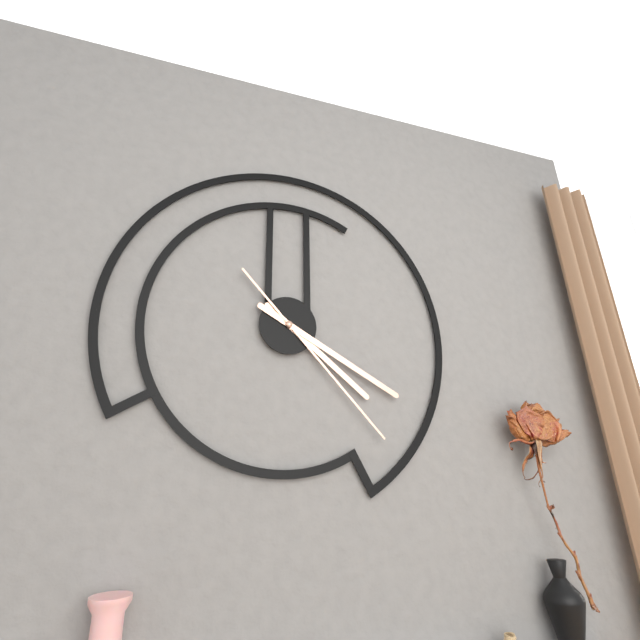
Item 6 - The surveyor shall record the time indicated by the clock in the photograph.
4:20:23
